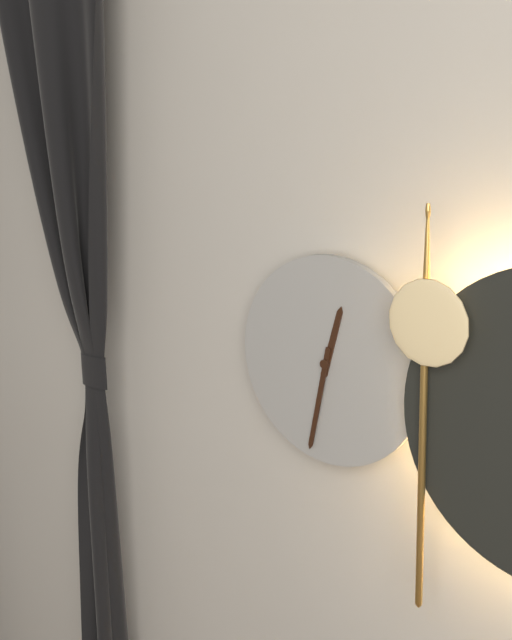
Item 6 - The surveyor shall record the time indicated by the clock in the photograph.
12:32
